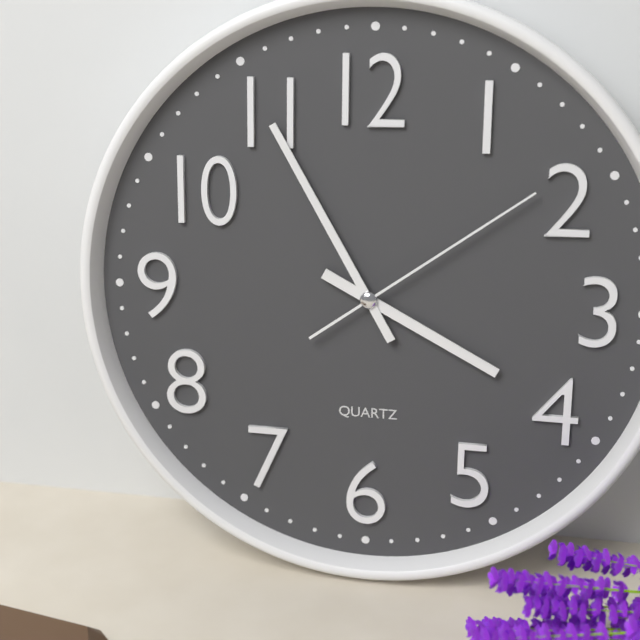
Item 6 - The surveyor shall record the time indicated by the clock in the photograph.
3:55:09
